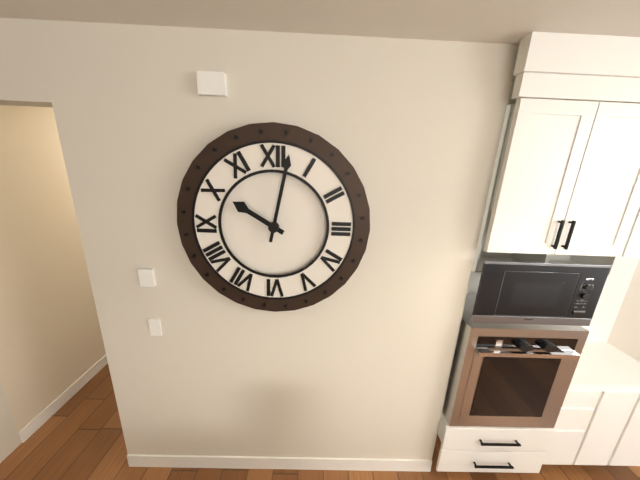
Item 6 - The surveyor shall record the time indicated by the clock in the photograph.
10:02
